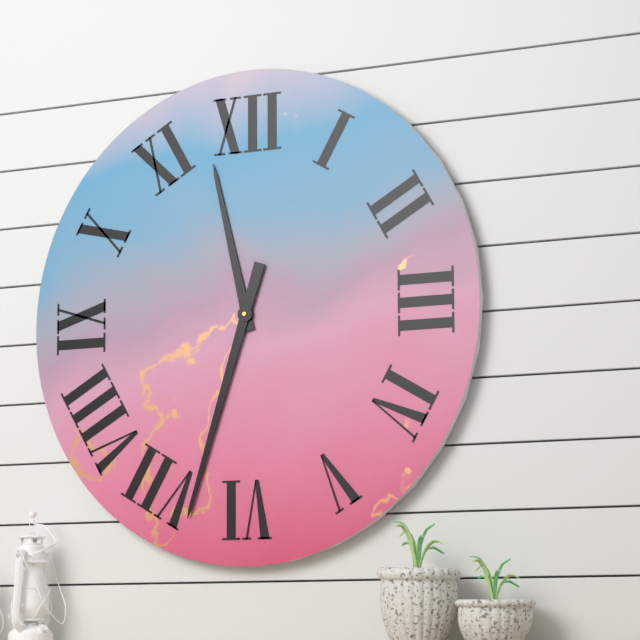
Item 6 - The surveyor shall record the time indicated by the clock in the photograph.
11:33
